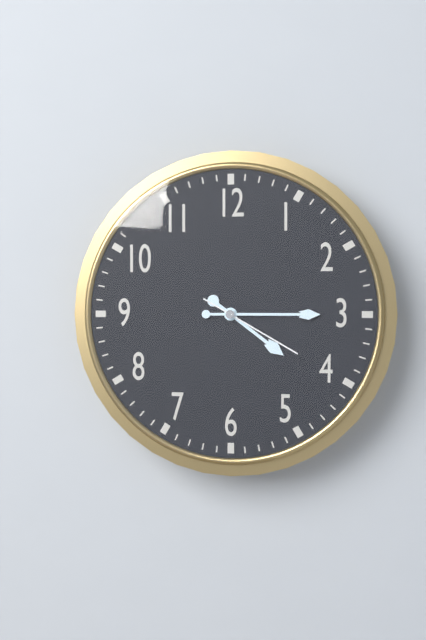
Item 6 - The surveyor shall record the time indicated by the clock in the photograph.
4:15:20
